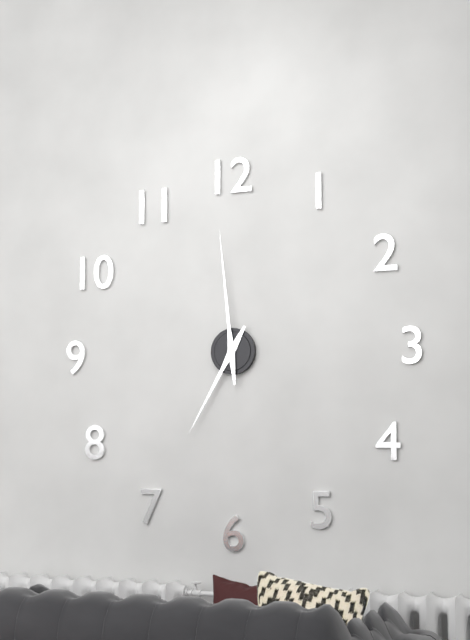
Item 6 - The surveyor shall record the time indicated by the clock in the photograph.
6:59
